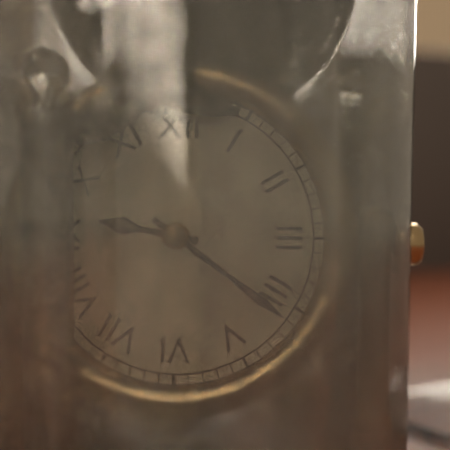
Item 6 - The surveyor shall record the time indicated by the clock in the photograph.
9:21
